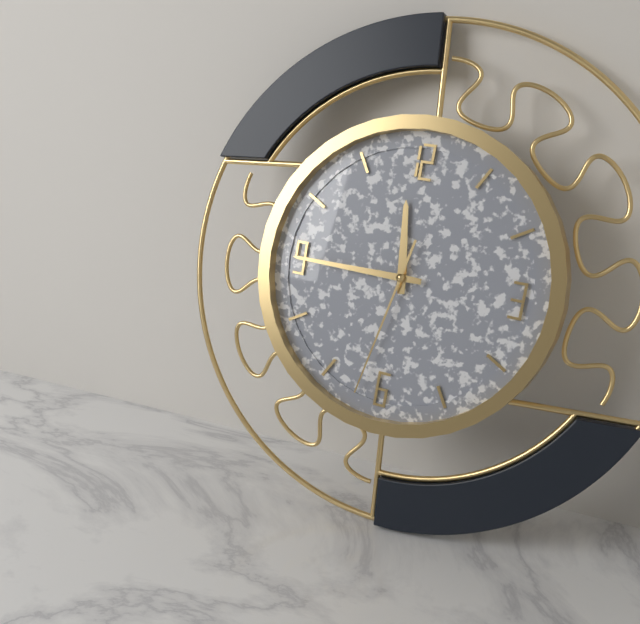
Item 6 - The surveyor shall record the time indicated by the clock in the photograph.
11:45:32
